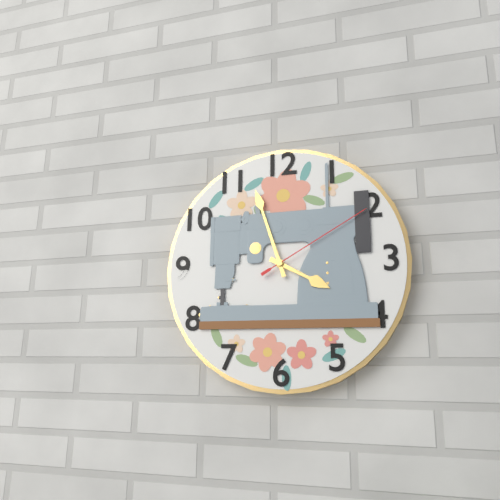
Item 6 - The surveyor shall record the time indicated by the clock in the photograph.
3:57:10
